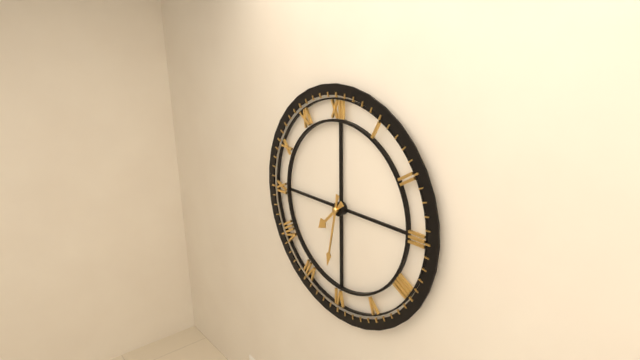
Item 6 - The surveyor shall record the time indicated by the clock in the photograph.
7:32
